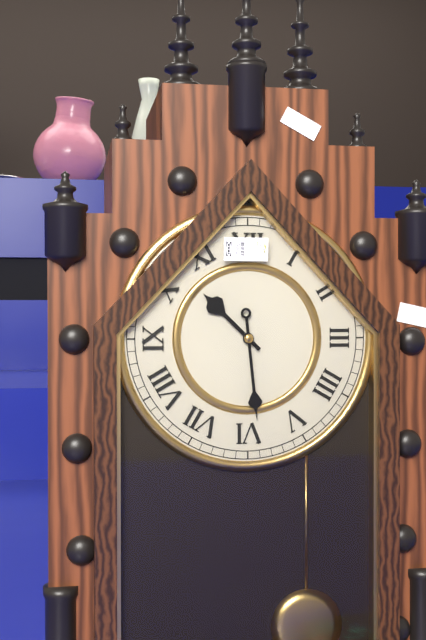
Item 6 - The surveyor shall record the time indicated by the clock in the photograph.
10:29
